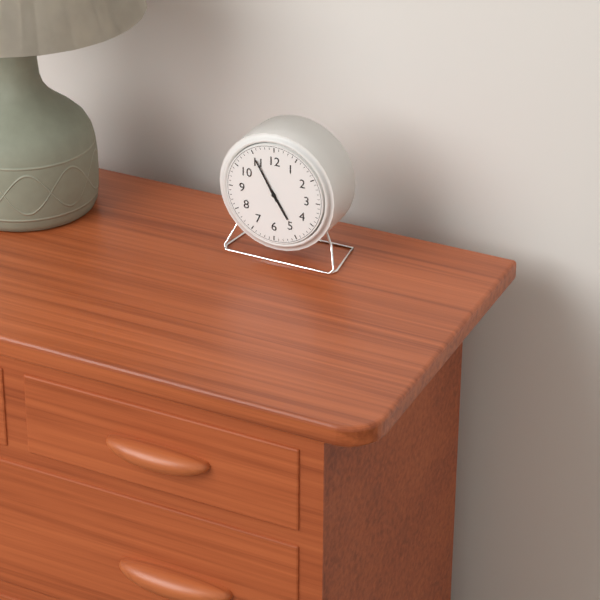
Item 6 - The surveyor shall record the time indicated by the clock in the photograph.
4:55
